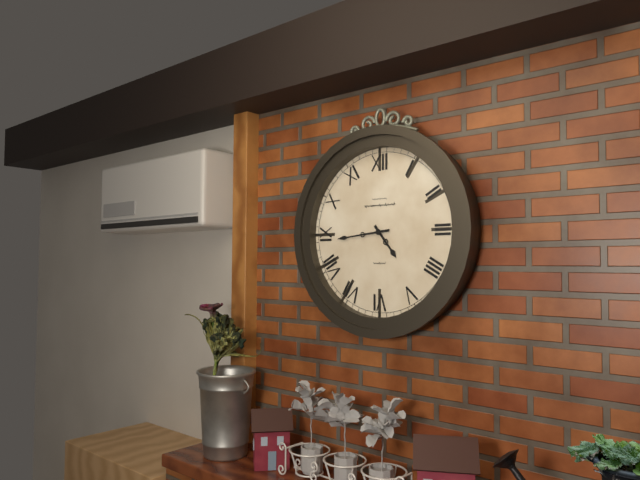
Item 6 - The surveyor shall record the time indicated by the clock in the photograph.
4:44
